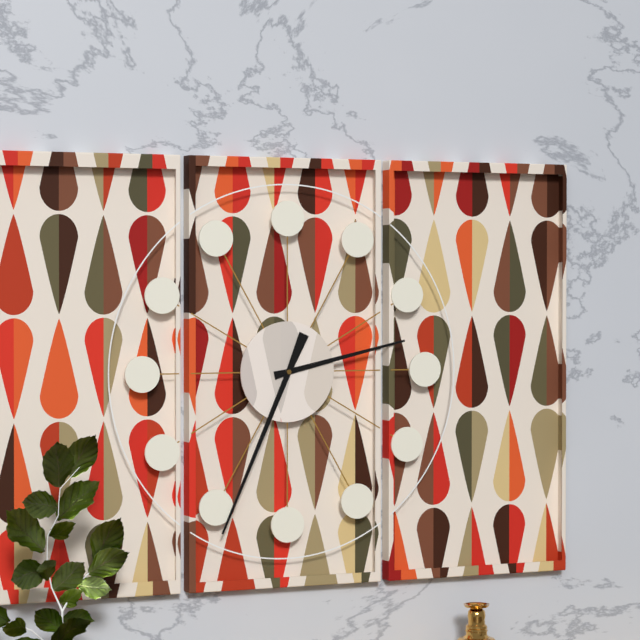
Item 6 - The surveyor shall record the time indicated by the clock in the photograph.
2:34
